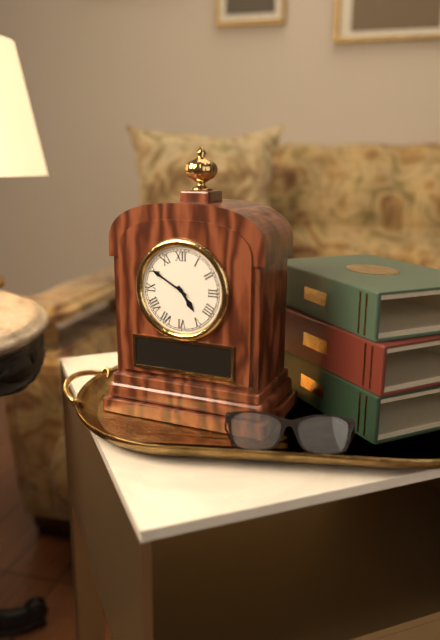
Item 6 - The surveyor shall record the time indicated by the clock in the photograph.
4:50
